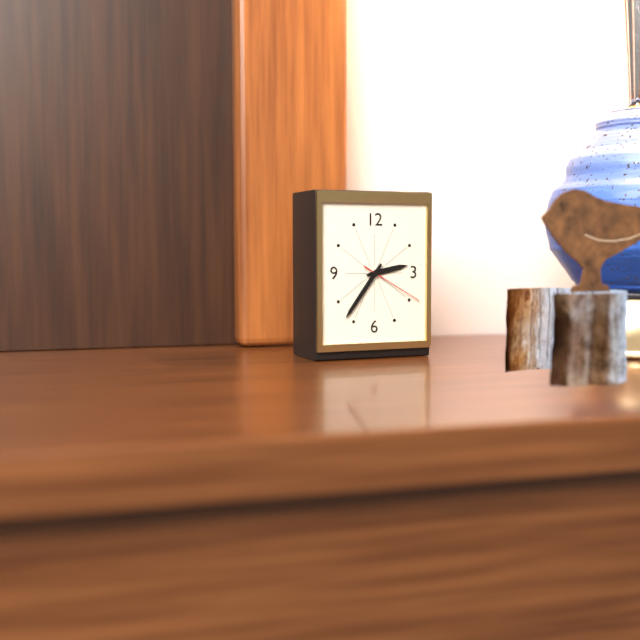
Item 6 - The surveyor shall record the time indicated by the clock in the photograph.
2:36:20
